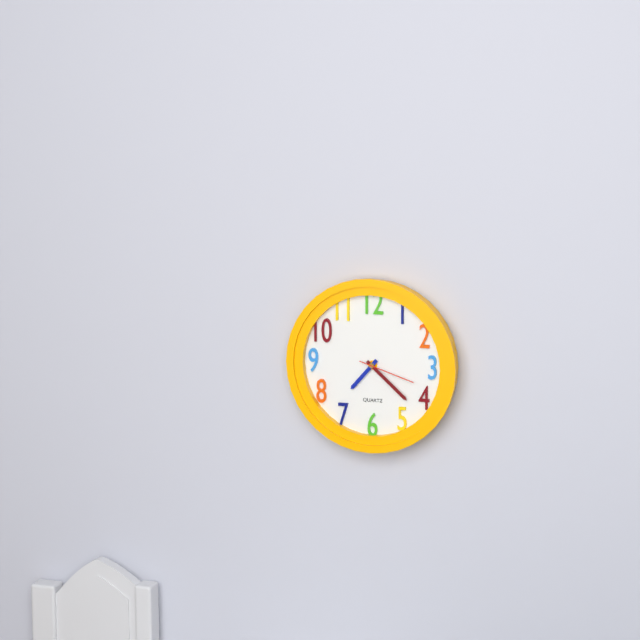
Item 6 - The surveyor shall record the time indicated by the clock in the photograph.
7:22:18
